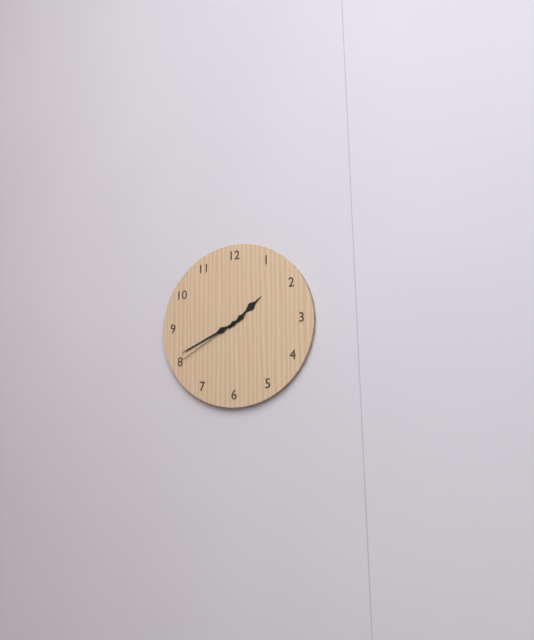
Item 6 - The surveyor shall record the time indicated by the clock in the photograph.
1:41:40
